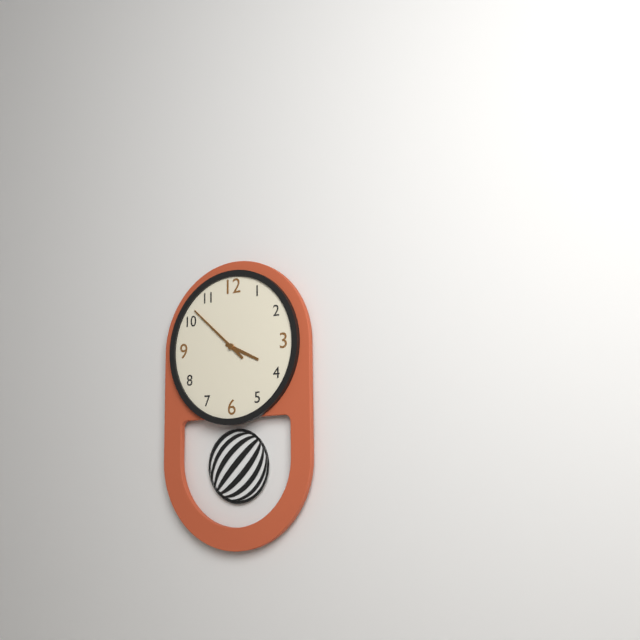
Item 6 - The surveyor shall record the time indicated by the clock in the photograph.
3:52
